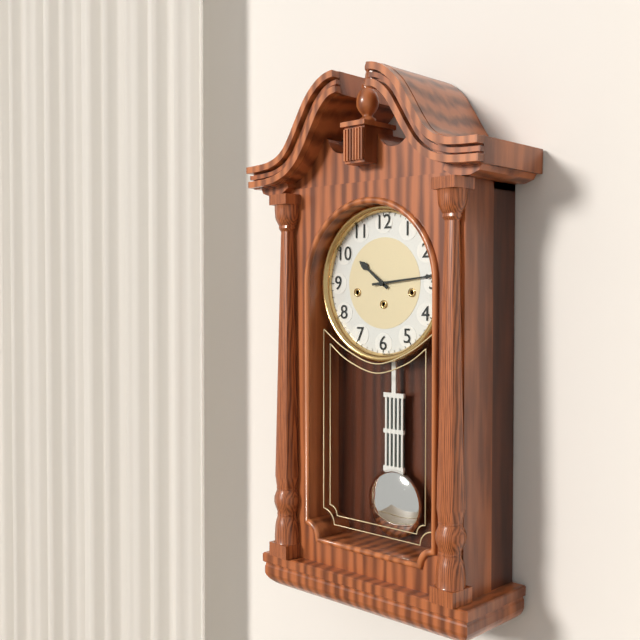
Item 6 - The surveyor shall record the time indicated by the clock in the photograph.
10:14
